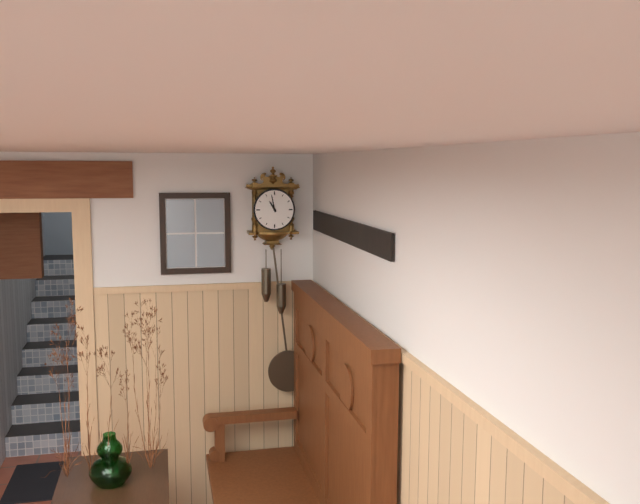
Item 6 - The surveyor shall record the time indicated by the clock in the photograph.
10:58
